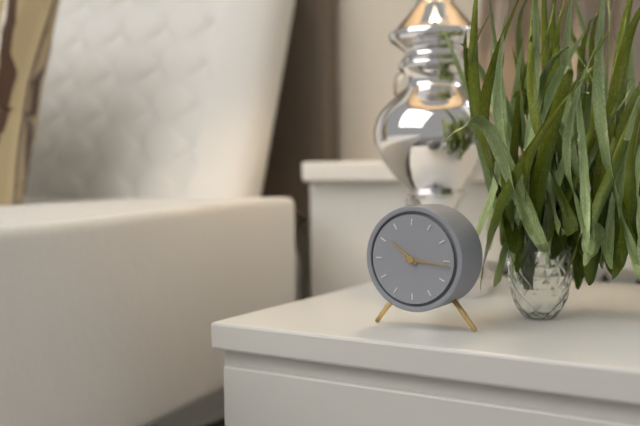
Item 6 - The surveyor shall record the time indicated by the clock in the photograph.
10:16
